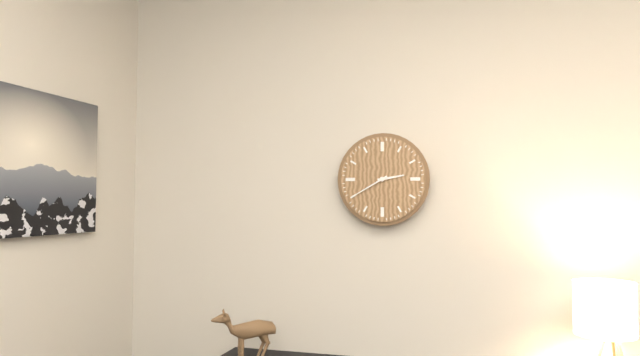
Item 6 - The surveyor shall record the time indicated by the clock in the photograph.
2:40
